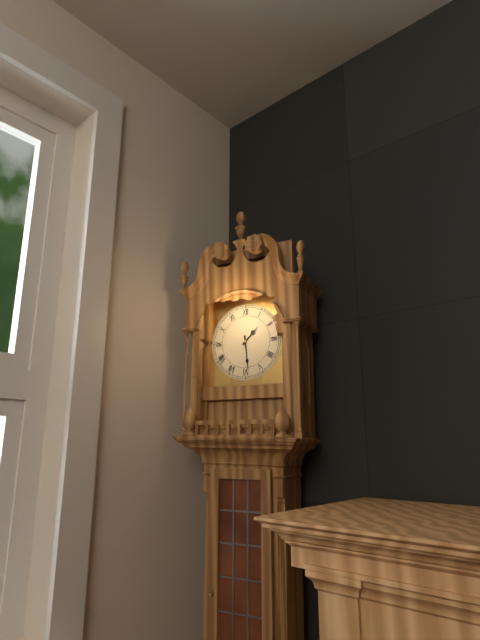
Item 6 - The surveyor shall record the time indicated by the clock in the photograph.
1:29
